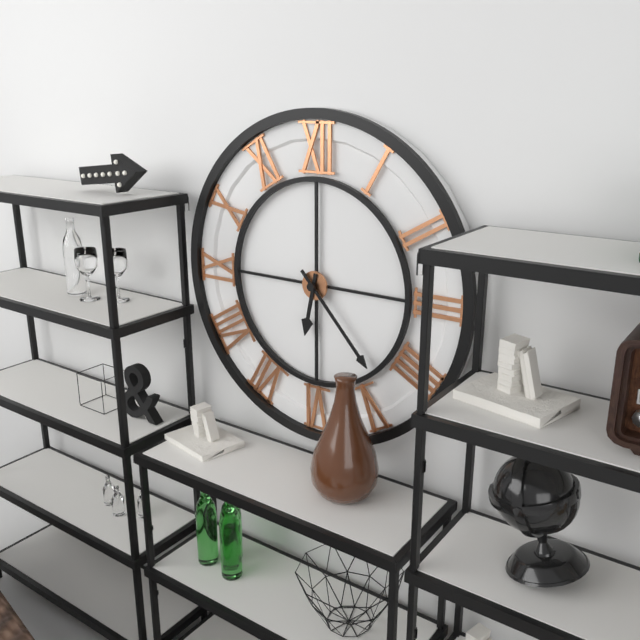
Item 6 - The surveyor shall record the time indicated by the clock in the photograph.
6:23
